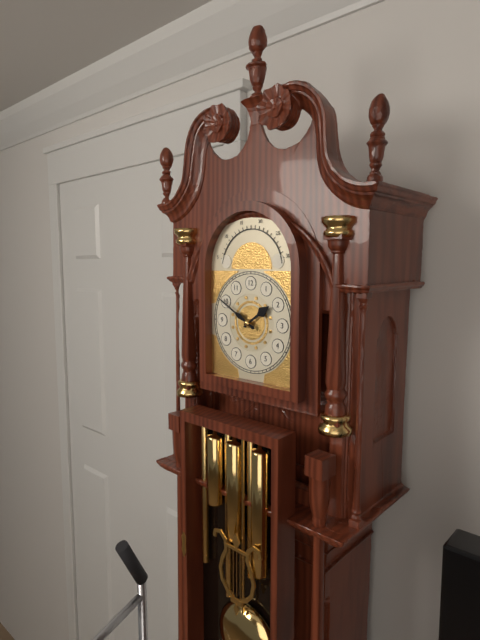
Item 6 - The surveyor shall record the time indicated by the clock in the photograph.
1:50
